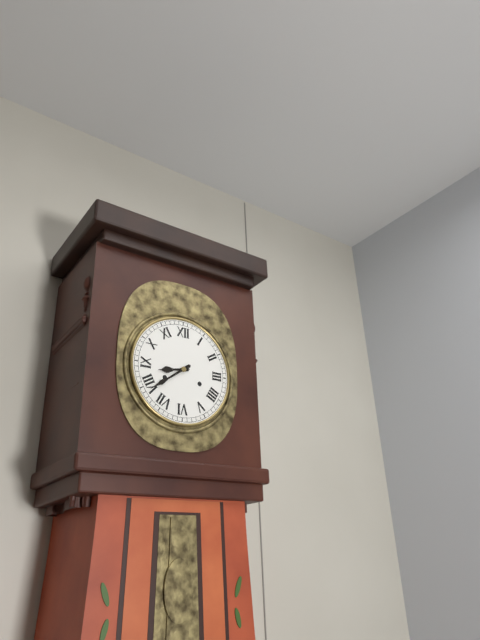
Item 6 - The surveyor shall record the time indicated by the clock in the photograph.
8:39
